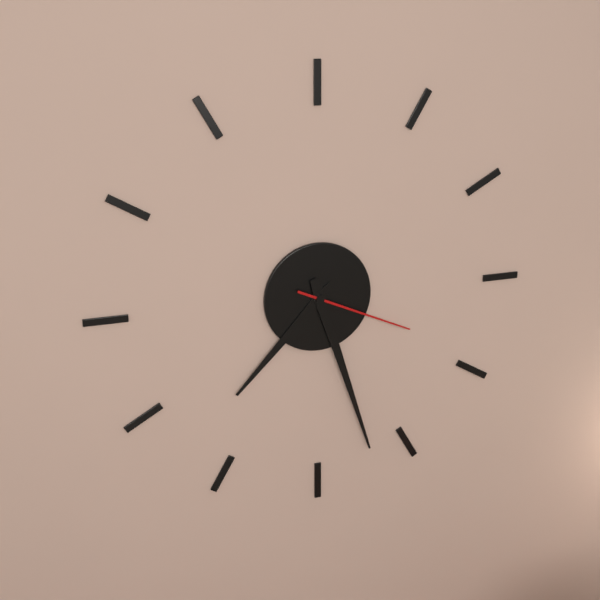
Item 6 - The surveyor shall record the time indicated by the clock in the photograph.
7:27:19
